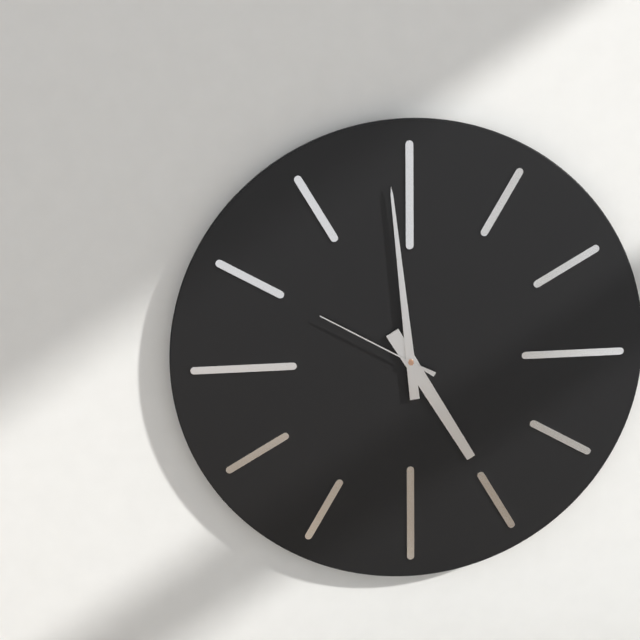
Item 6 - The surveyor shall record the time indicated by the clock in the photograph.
4:59:50
